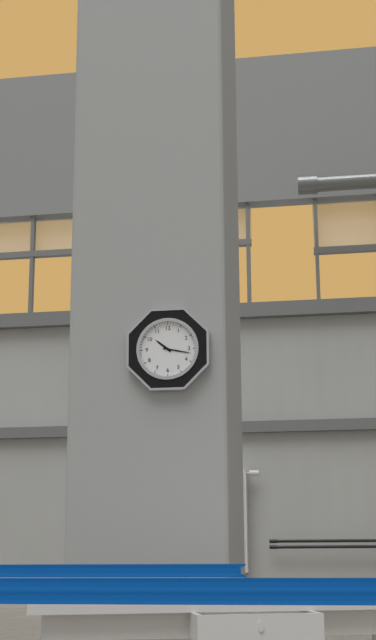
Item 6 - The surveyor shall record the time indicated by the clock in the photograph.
10:17
